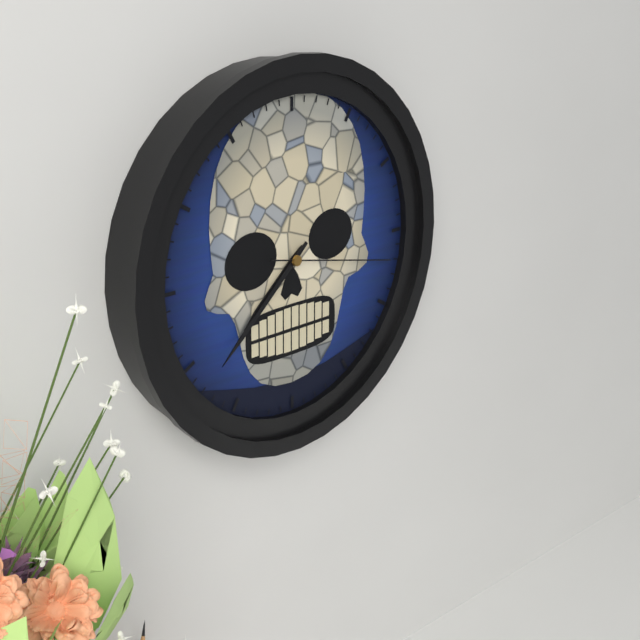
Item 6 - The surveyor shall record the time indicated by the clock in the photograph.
7:38:17
